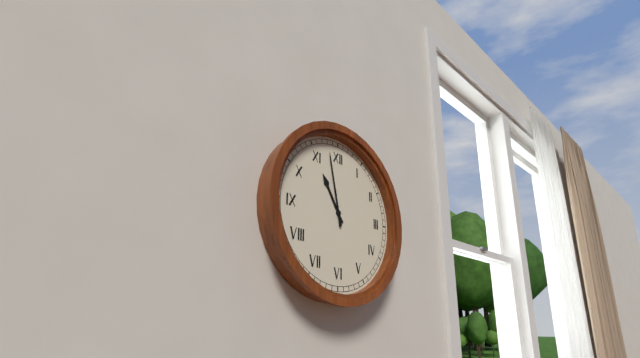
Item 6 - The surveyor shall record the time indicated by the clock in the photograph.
10:58
